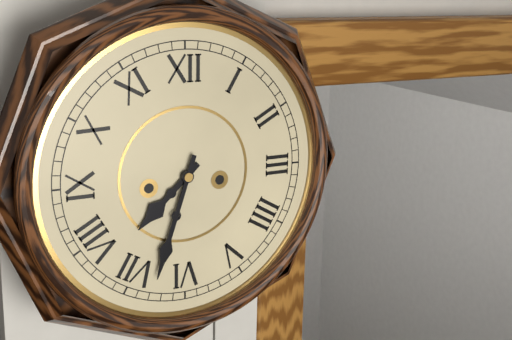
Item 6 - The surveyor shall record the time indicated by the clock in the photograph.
7:33
